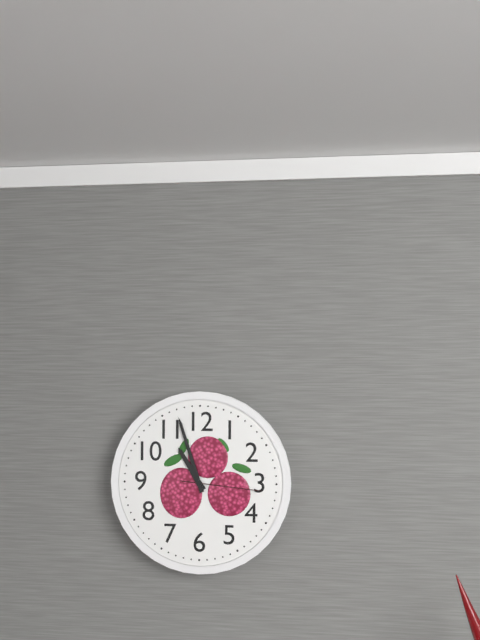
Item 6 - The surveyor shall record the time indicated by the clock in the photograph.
10:57:16
